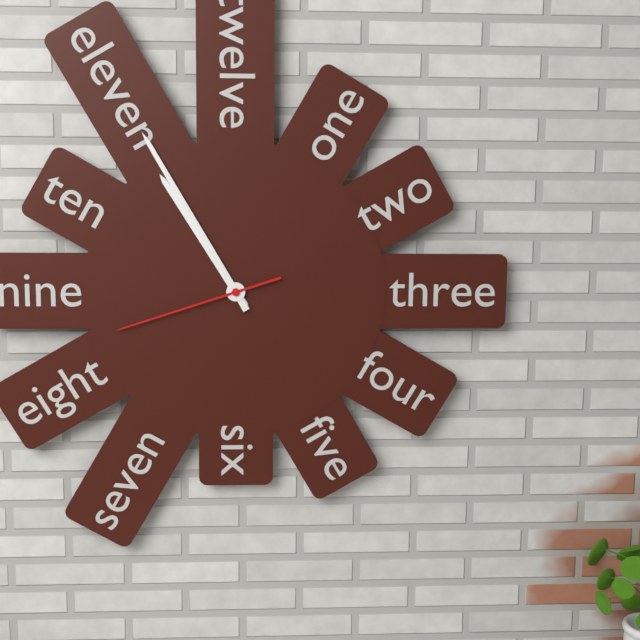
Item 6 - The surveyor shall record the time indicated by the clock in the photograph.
10:55:42
